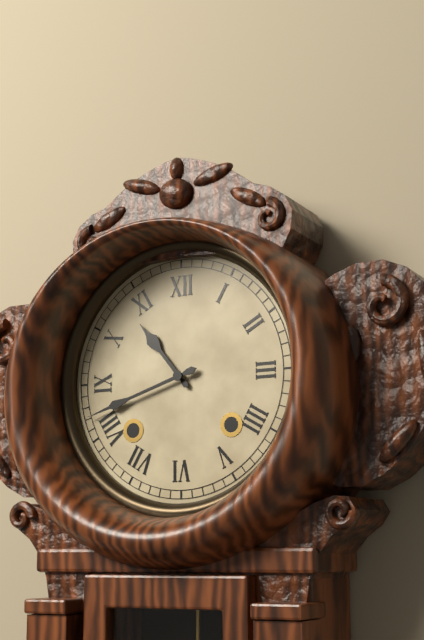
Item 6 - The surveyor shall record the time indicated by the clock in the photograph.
10:42
